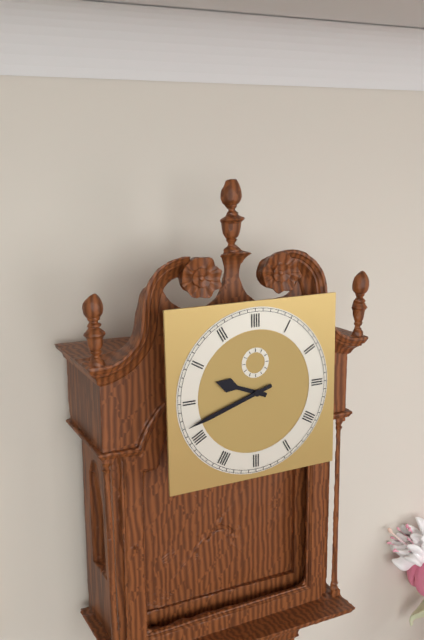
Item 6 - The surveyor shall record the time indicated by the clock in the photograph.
9:42
